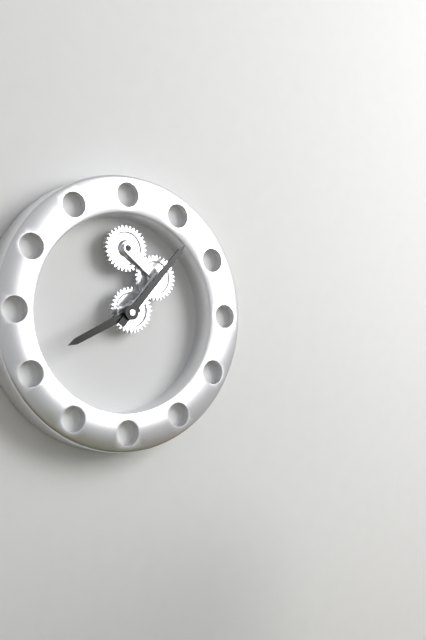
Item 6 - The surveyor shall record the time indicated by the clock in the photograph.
8:07
